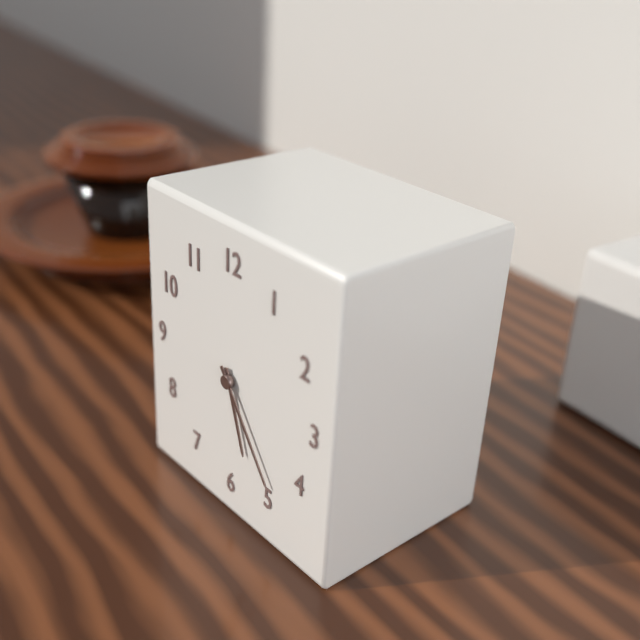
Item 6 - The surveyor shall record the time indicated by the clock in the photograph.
5:24
